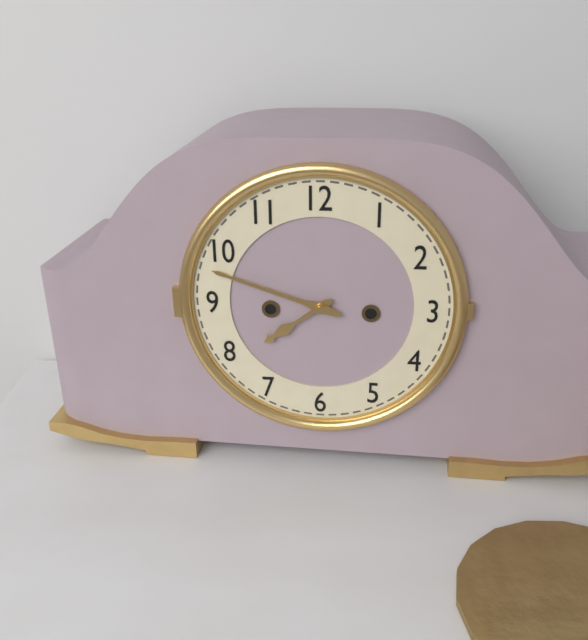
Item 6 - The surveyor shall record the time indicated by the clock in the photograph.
7:48
